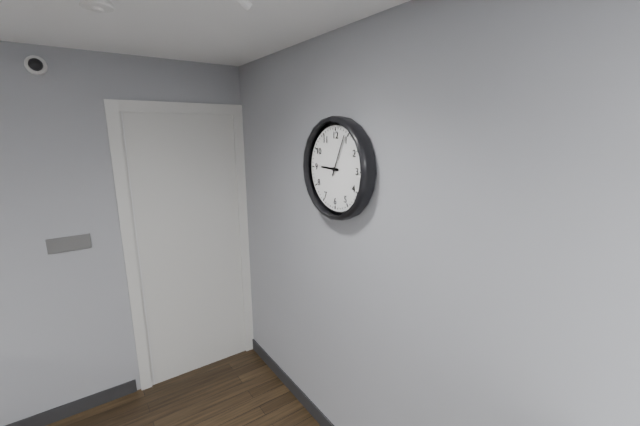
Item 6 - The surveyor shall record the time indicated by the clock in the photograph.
9:04
